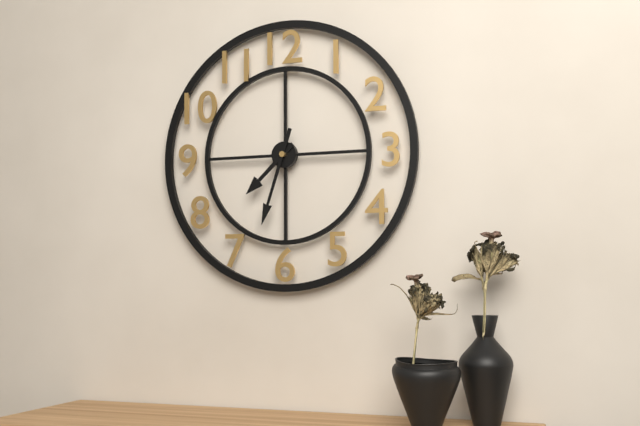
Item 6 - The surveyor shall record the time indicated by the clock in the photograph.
7:33
